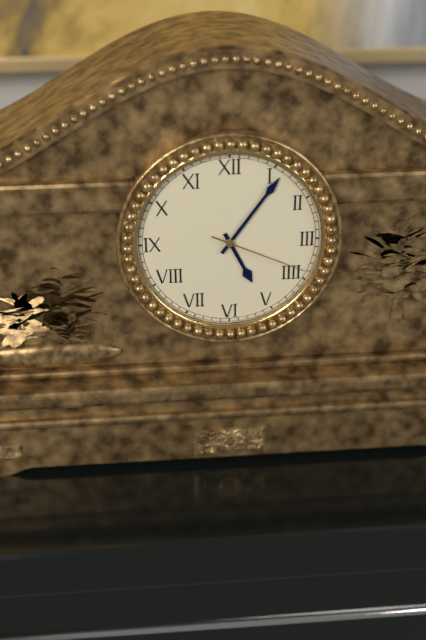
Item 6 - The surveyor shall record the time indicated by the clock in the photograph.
5:06:19
